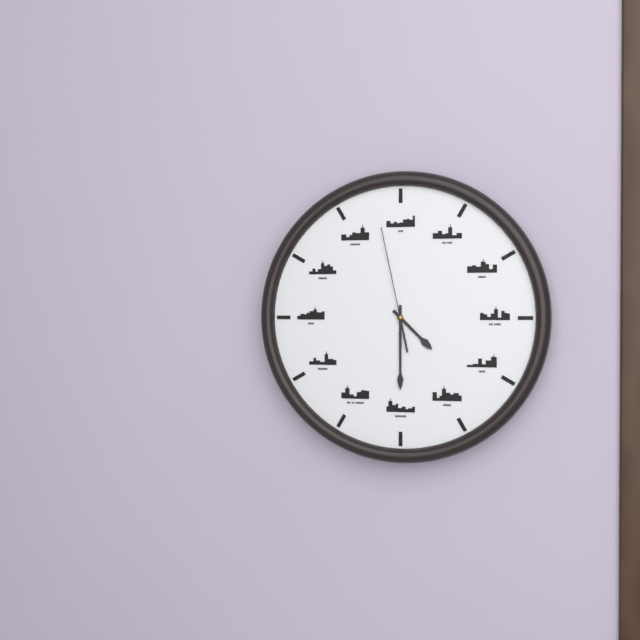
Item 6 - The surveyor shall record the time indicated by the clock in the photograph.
4:30:58
